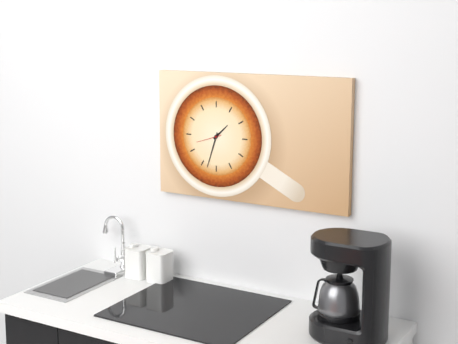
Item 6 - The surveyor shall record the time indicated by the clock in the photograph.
1:33
